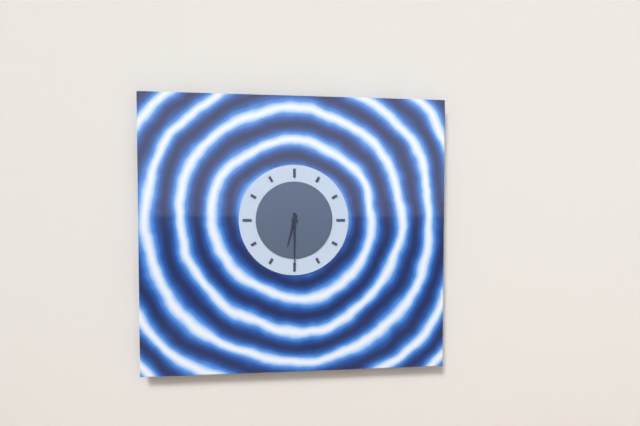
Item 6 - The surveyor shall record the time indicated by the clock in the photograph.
6:30
